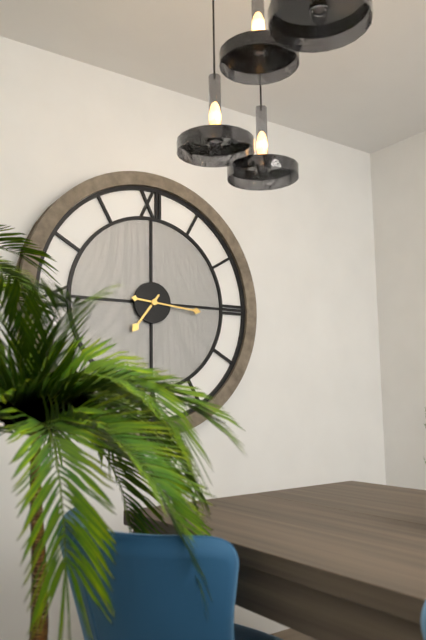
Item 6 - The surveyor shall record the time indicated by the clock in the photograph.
7:16
